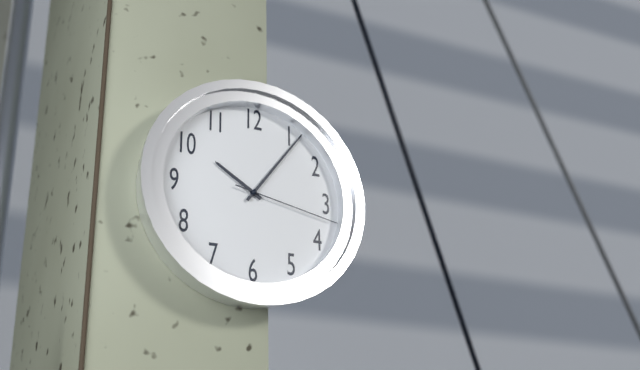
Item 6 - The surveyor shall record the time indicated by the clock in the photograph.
10:06:17
